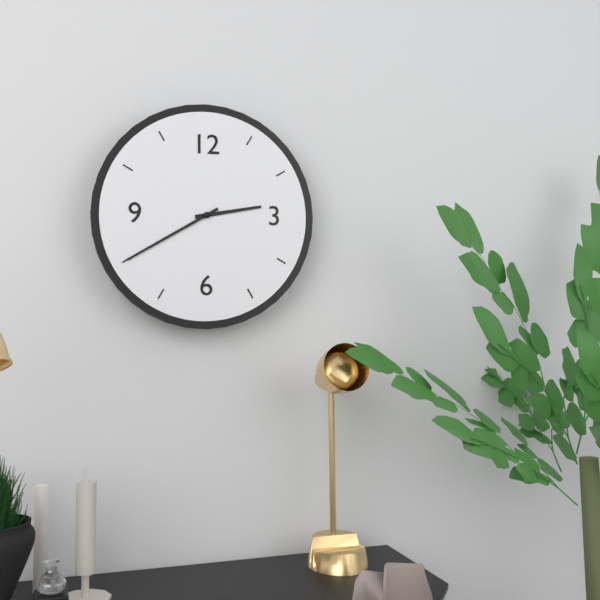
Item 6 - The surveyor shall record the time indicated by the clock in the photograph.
2:40
